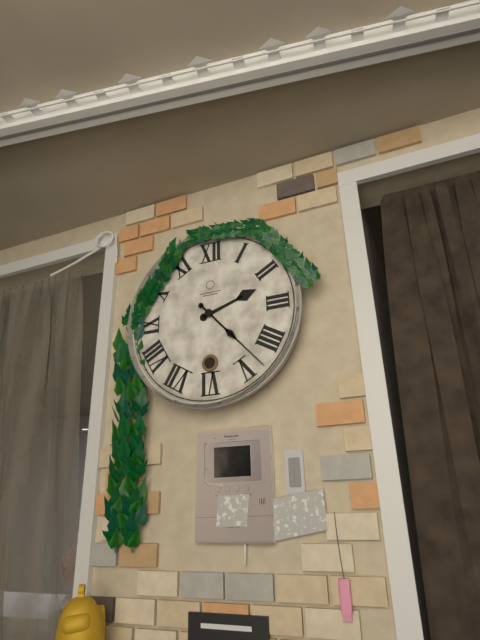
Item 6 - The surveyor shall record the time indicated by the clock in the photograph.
2:23
